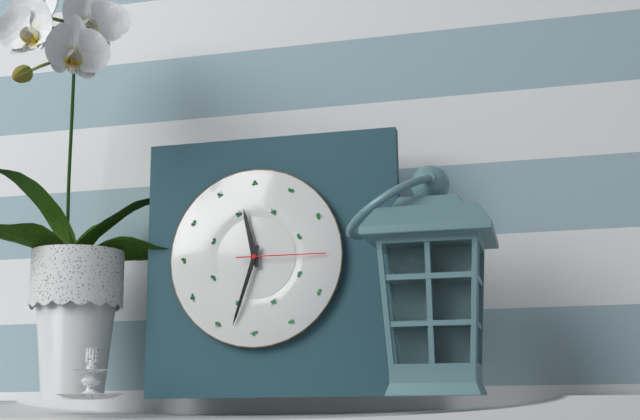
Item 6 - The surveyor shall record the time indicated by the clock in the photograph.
11:33:15
